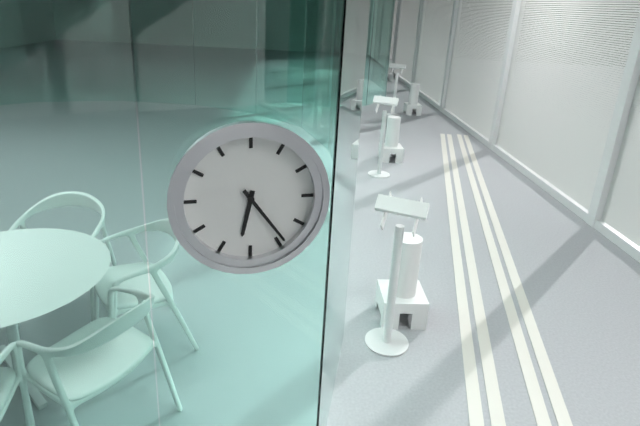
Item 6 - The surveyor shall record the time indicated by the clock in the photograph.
6:24
